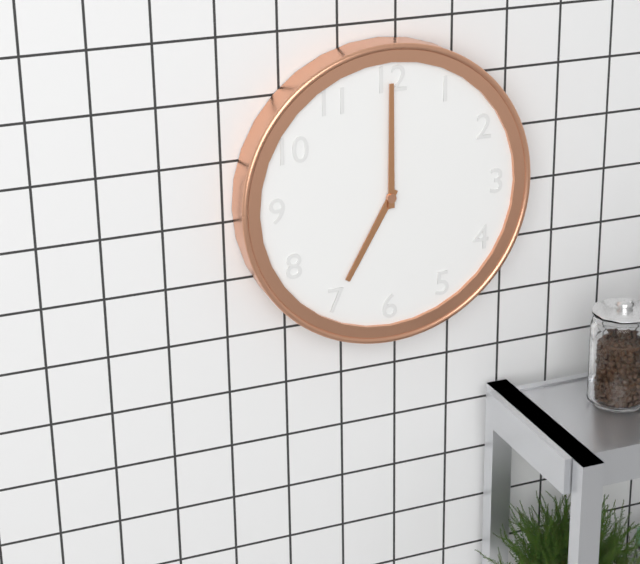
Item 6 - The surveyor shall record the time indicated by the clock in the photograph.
7:00
